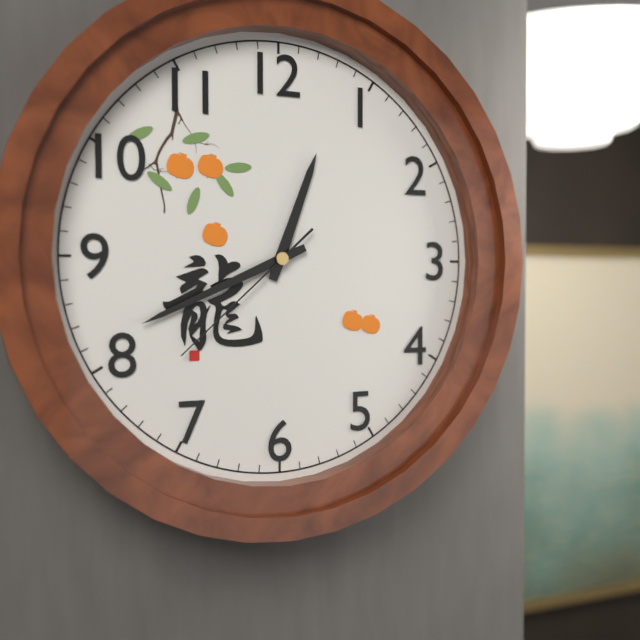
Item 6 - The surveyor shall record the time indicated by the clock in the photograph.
12:41:38
